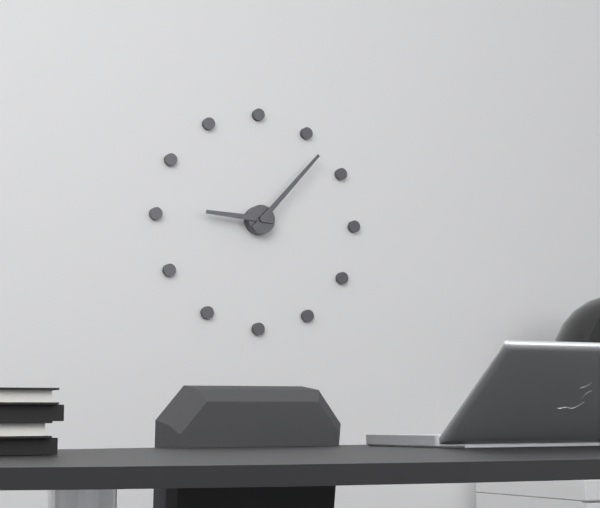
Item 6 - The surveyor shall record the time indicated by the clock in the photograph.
9:07
